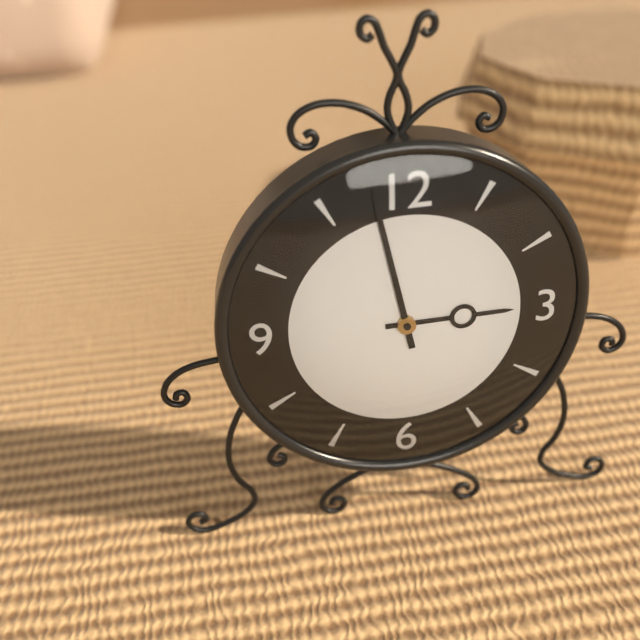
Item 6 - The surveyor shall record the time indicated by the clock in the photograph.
2:58
